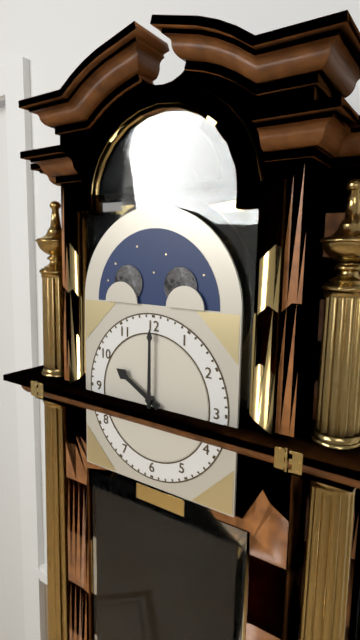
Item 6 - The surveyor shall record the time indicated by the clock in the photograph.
10:00
